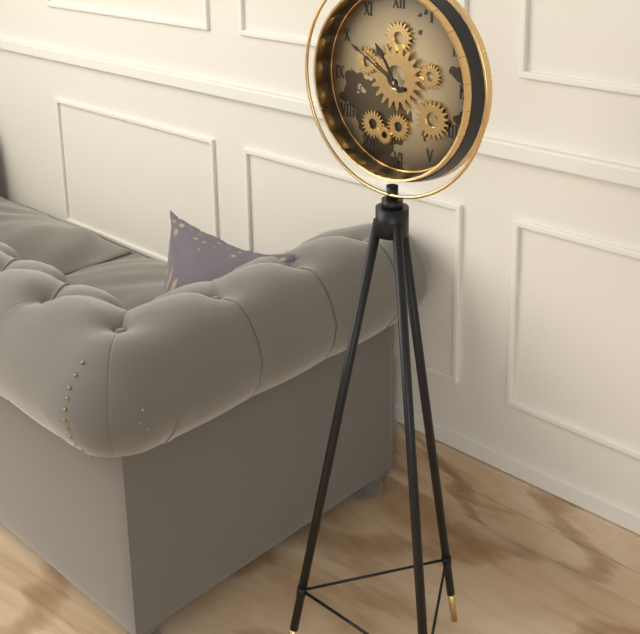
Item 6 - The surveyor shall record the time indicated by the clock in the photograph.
10:50
